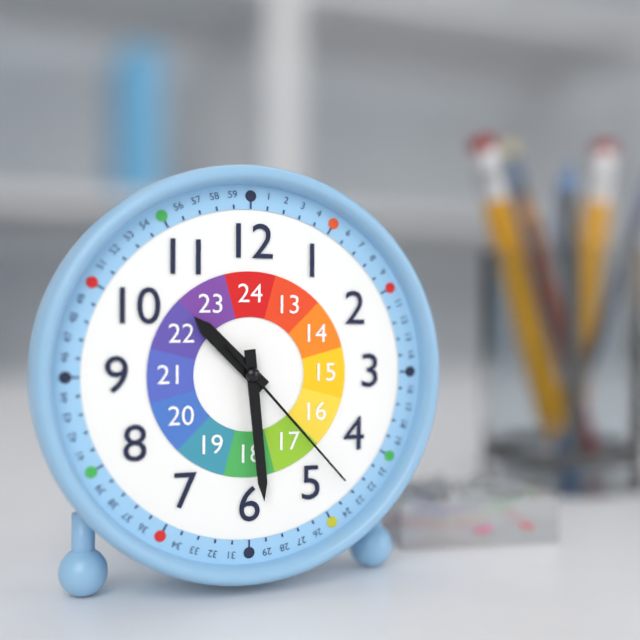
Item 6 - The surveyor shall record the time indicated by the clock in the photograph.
10:29:23
